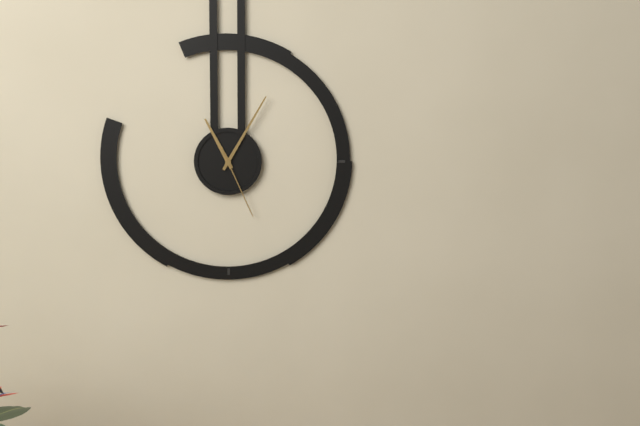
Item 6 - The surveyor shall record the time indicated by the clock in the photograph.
11:05:26
